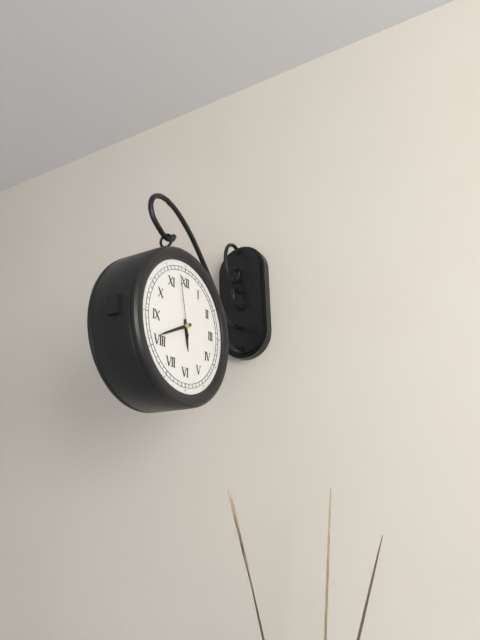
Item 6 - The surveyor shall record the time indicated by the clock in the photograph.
5:41:58
